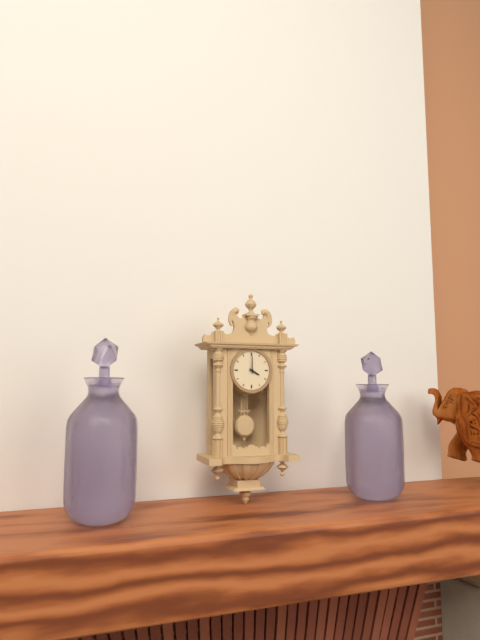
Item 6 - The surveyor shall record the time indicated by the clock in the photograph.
4:00
